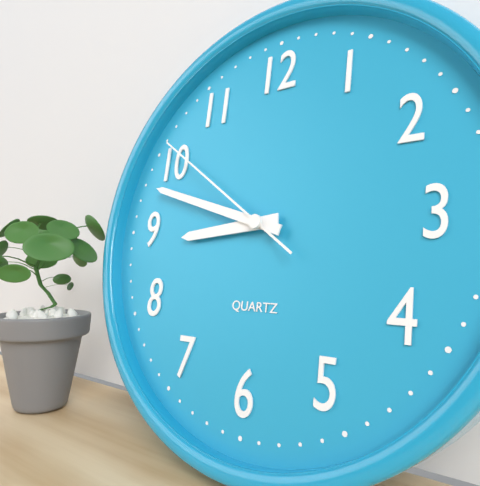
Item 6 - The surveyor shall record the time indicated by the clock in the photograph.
8:48:51
